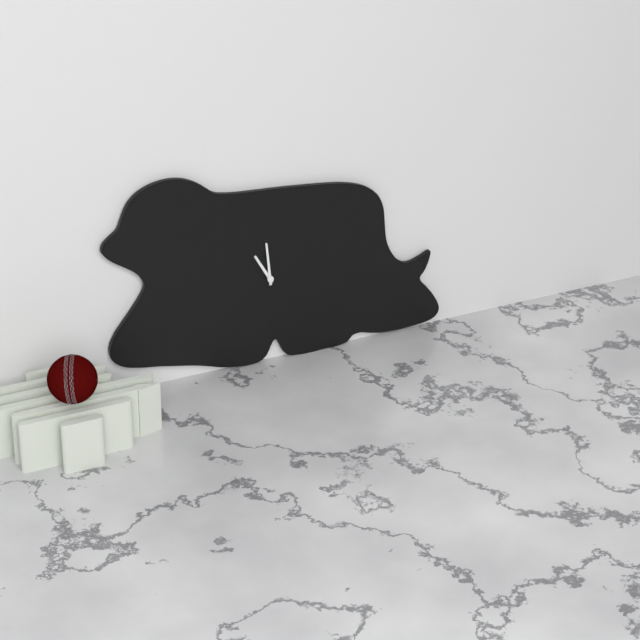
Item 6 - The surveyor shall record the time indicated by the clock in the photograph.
10:59
